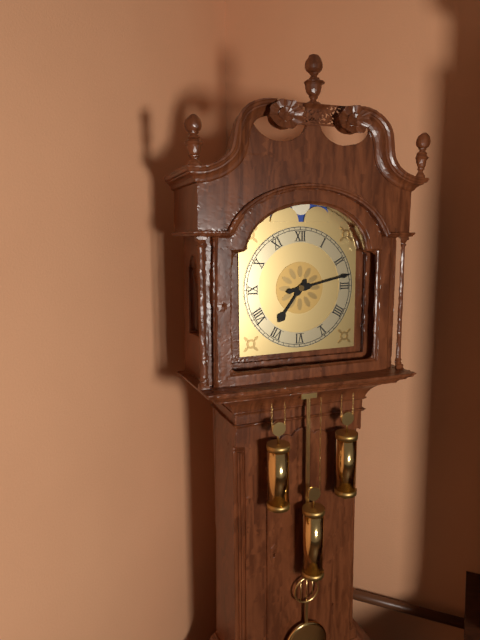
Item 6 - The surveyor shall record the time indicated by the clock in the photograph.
7:13
